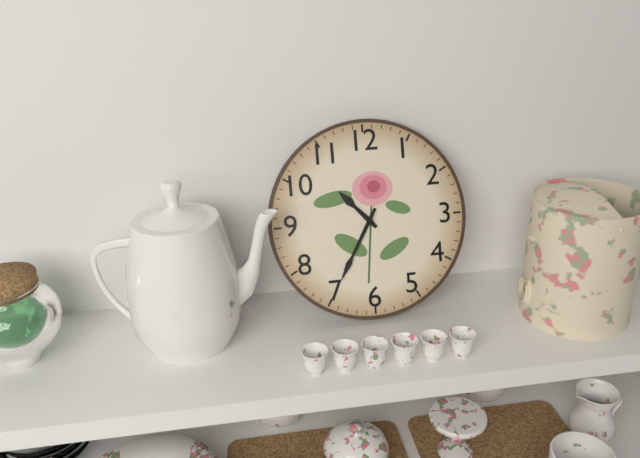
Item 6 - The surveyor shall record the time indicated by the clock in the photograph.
10:35
